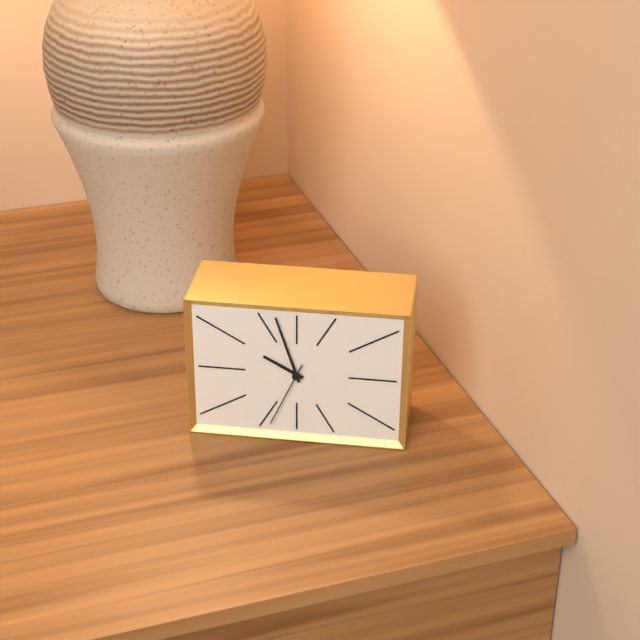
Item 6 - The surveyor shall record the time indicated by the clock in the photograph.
9:57:34
